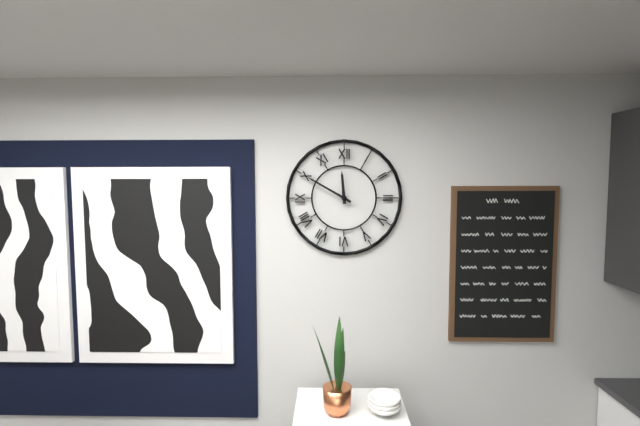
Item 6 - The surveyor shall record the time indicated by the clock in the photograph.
11:50
